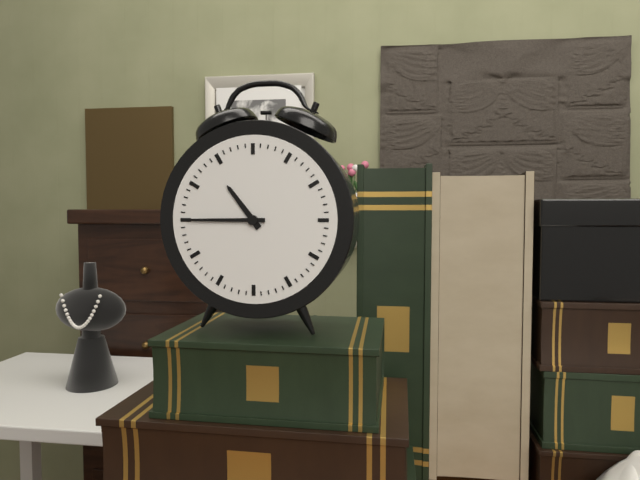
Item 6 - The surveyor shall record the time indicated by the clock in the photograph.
10:45
